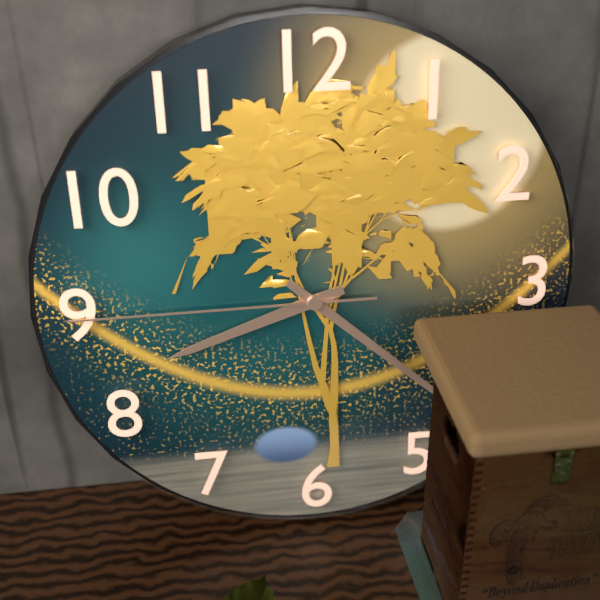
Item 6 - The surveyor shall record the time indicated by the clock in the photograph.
8:22:45
